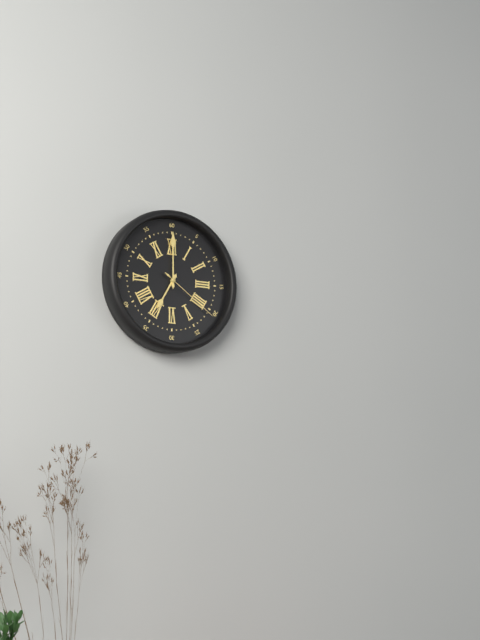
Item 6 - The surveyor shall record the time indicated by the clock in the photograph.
7:00:21
